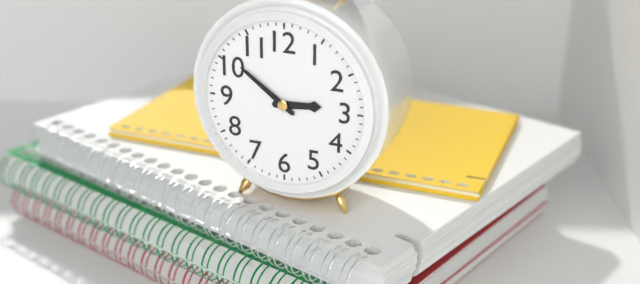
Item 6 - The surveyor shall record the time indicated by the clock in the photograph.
2:51
